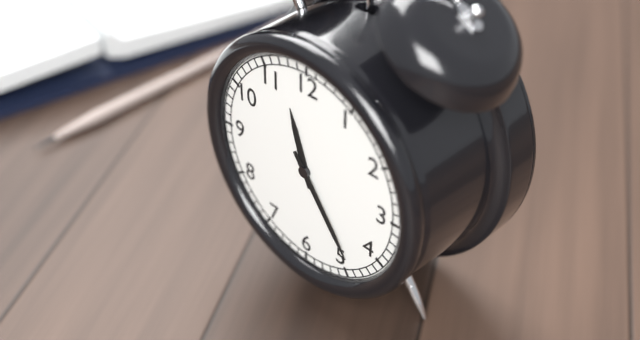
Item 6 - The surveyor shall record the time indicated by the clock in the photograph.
11:24
